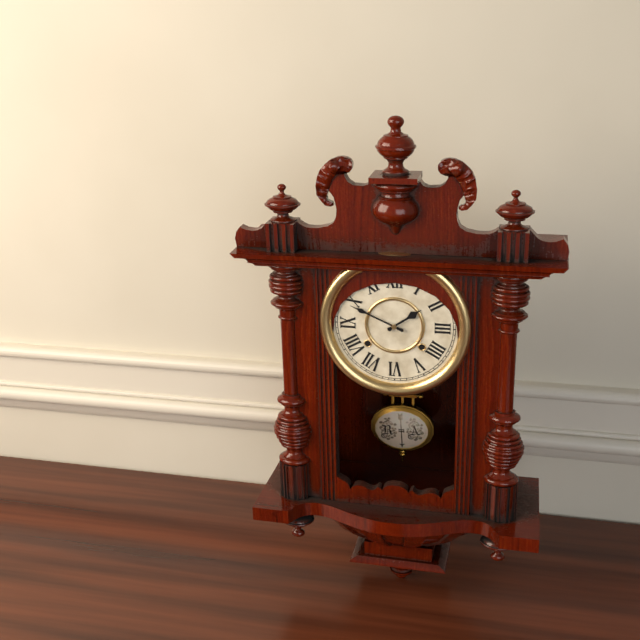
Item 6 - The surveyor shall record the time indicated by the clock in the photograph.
1:49
